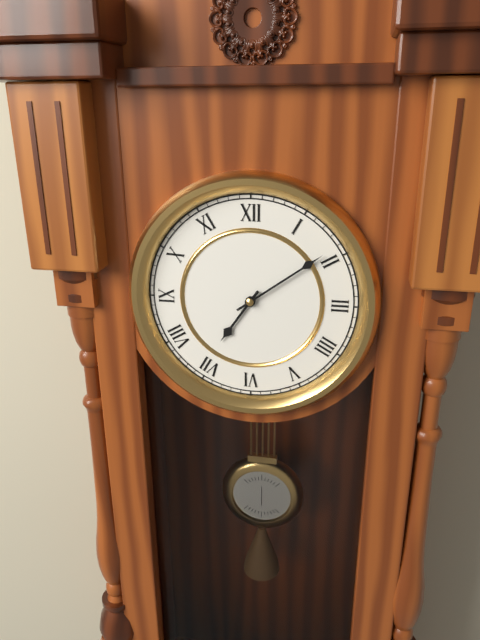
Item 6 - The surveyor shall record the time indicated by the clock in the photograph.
7:09
